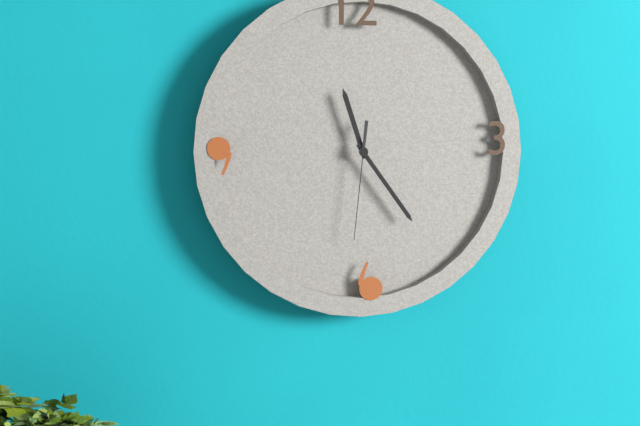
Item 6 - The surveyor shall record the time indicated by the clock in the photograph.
11:24:31
